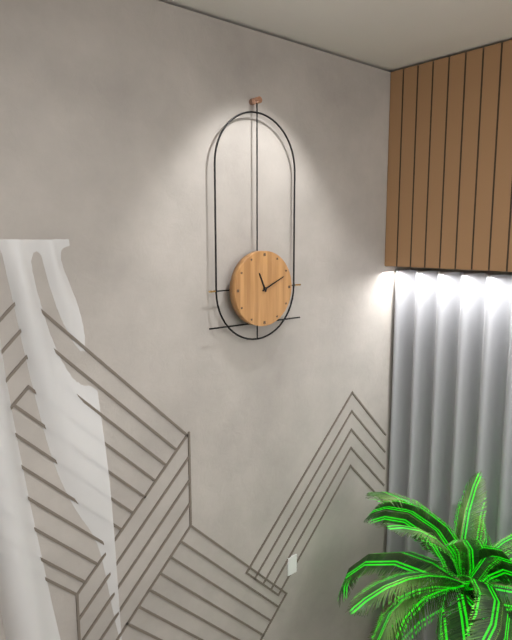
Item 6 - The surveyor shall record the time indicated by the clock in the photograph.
11:11
